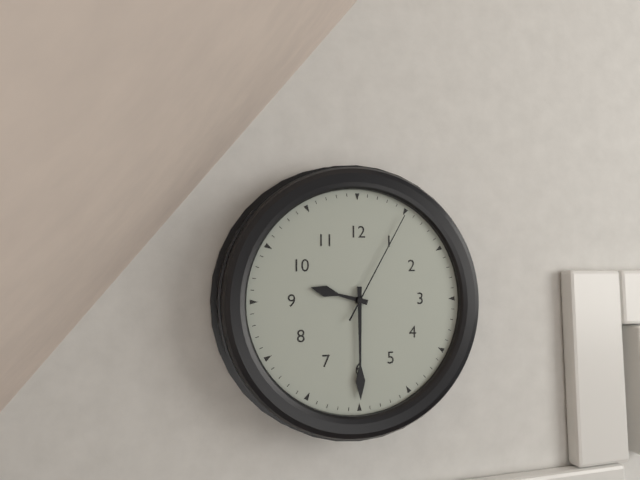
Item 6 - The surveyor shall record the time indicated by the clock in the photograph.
9:30:05
